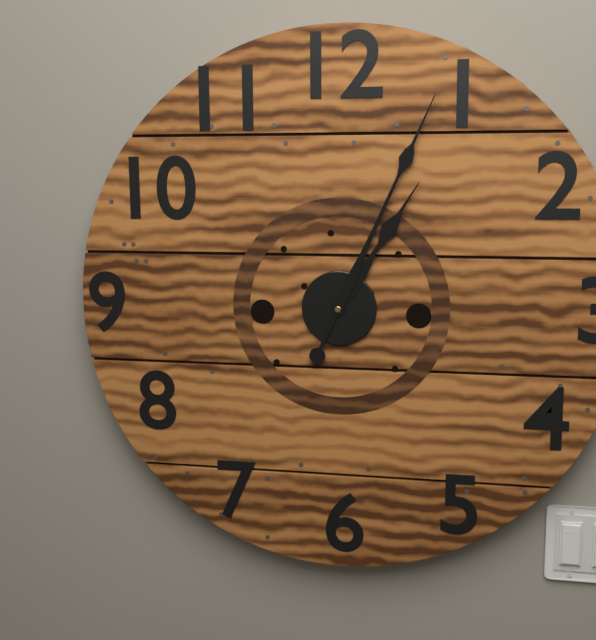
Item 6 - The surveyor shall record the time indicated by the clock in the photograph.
1:04
